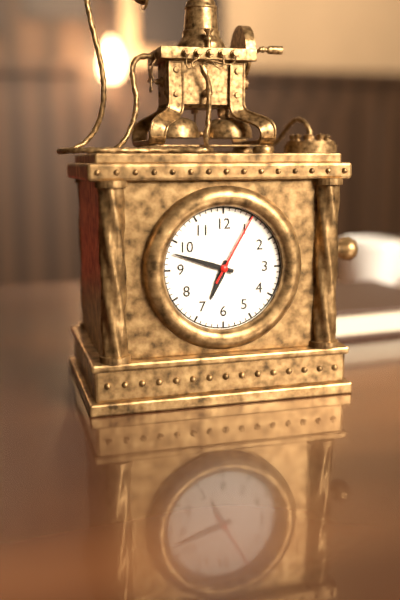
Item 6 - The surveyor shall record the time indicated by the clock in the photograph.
6:48:05
